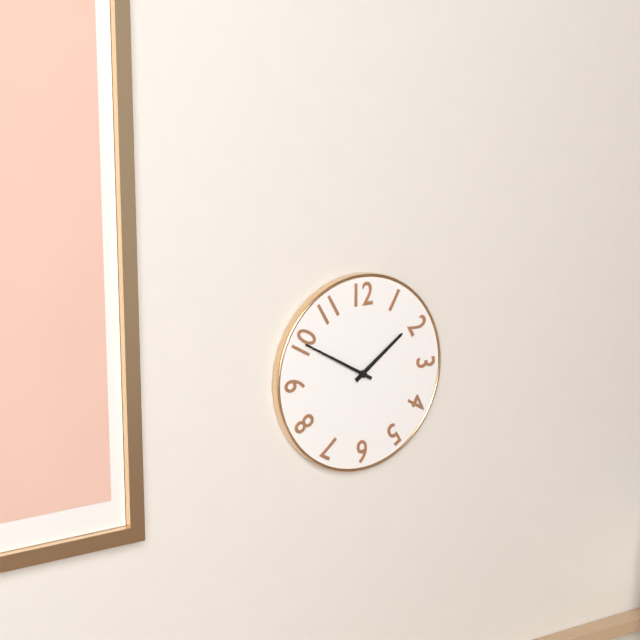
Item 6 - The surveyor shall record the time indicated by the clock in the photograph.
1:50
